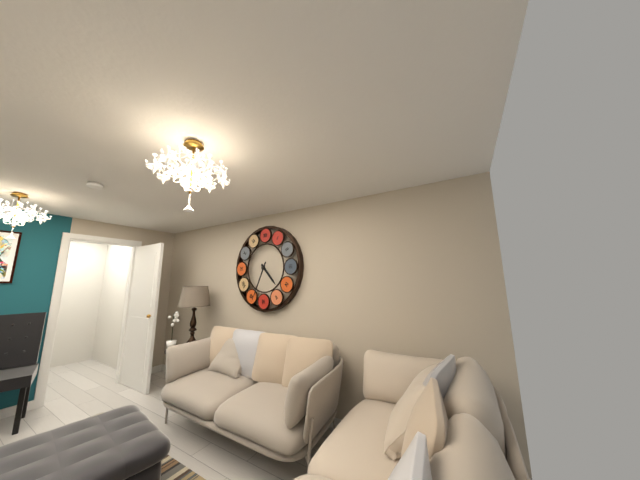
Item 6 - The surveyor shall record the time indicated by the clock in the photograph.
4:34
